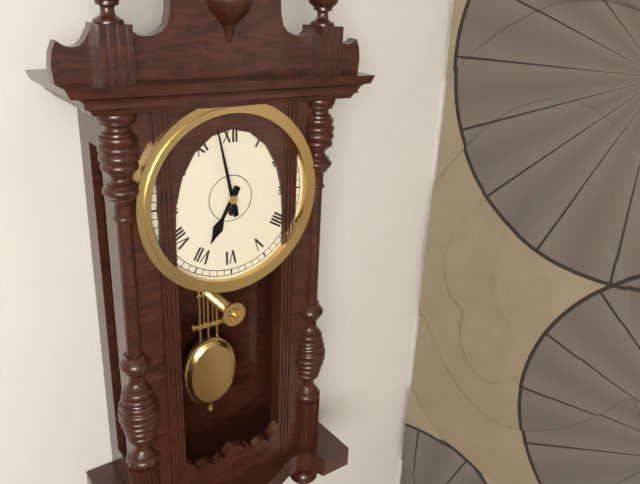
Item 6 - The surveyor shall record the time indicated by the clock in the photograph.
6:58
